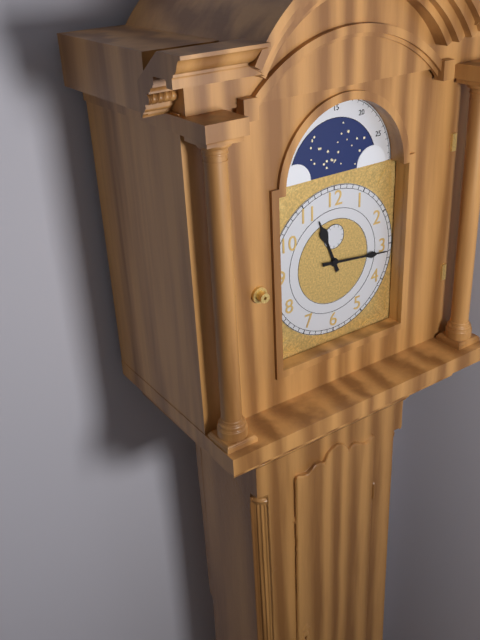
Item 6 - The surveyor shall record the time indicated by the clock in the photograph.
11:16
